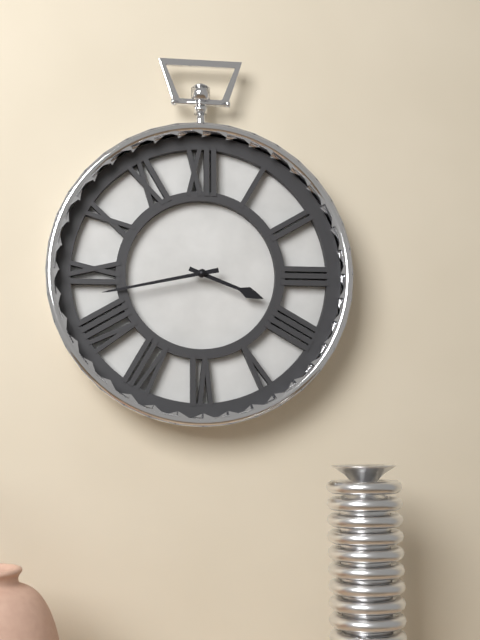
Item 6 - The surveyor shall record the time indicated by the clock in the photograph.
3:43
